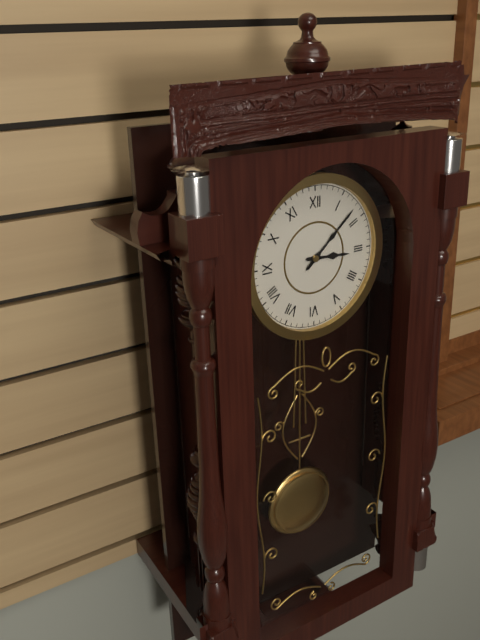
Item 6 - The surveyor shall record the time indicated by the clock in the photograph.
3:08
